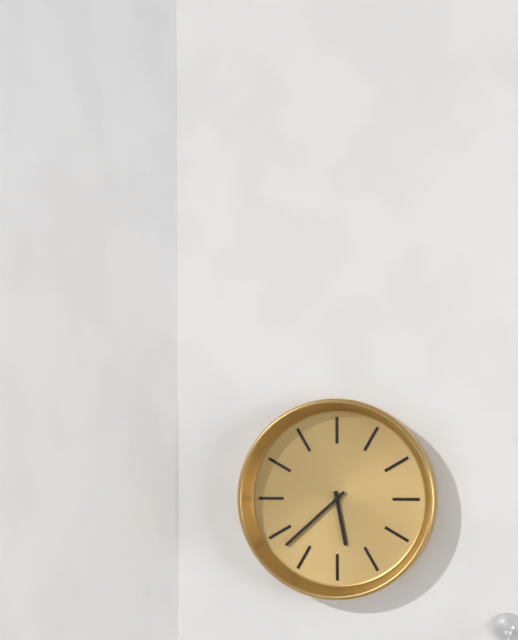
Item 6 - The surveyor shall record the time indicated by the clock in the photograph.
5:38
